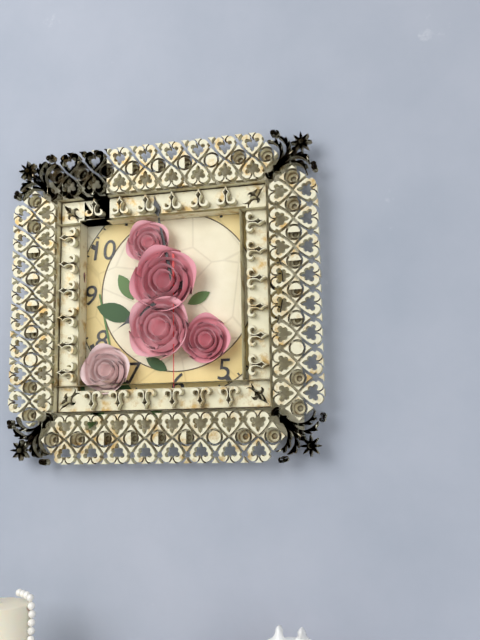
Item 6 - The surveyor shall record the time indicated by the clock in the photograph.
7:58:30
